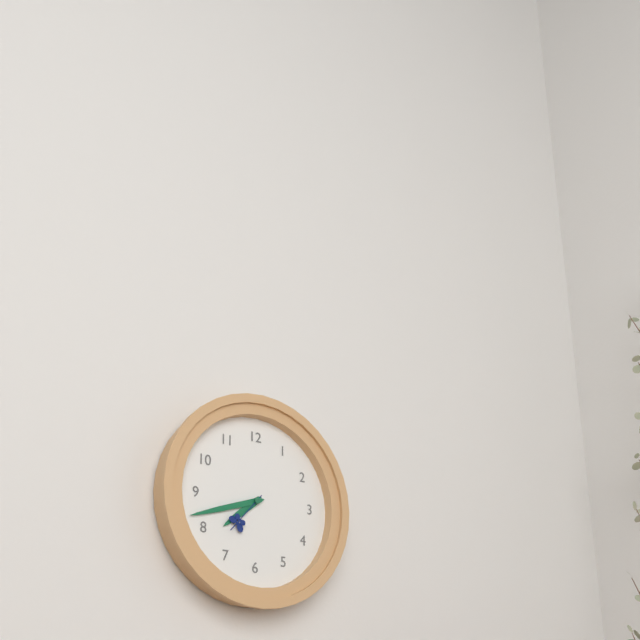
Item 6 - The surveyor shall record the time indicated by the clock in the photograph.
7:42
